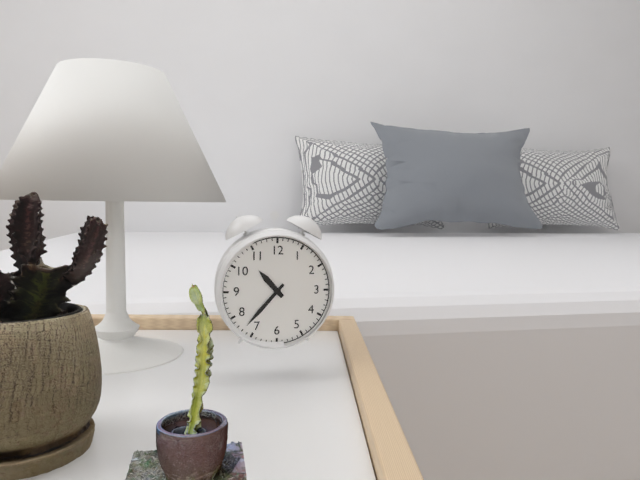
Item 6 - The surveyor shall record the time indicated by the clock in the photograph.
10:37
